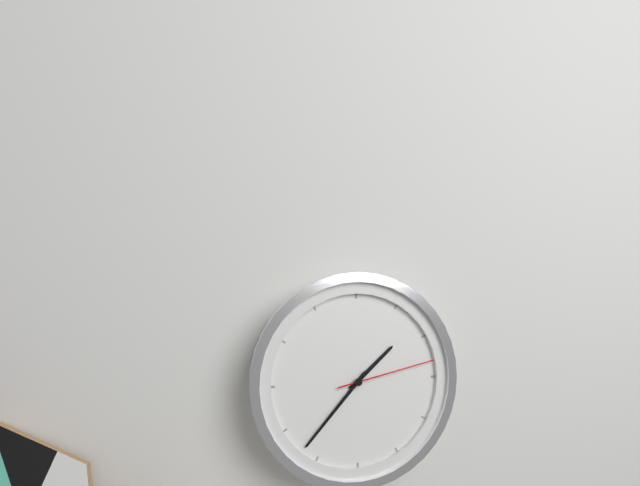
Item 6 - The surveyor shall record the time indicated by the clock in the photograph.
1:37:13
